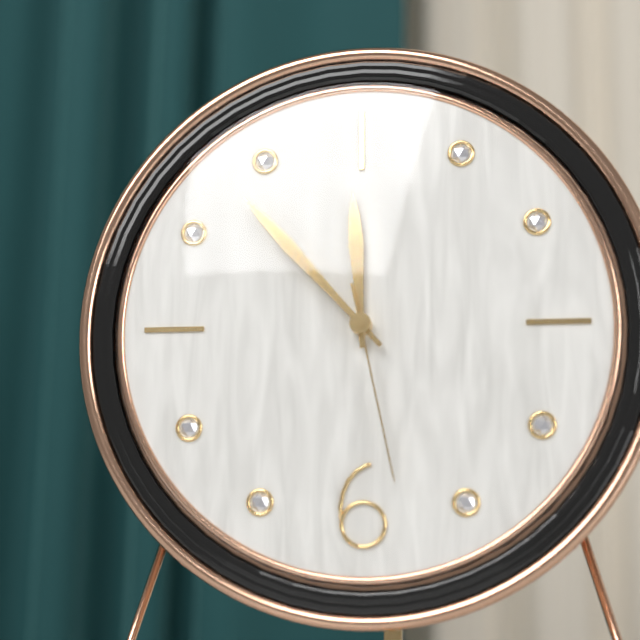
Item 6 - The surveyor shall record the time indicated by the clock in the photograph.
11:53:28
